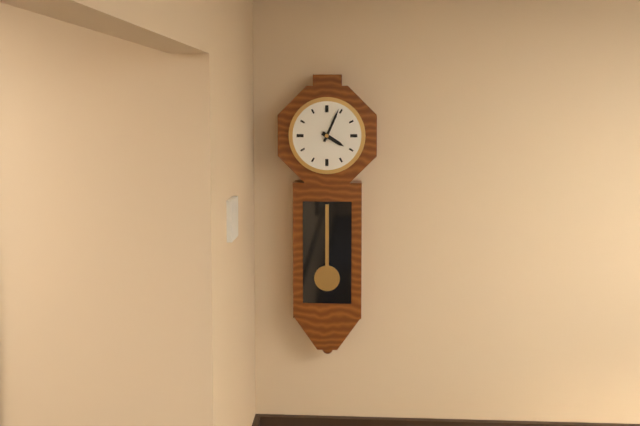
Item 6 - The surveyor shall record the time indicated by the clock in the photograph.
4:04
